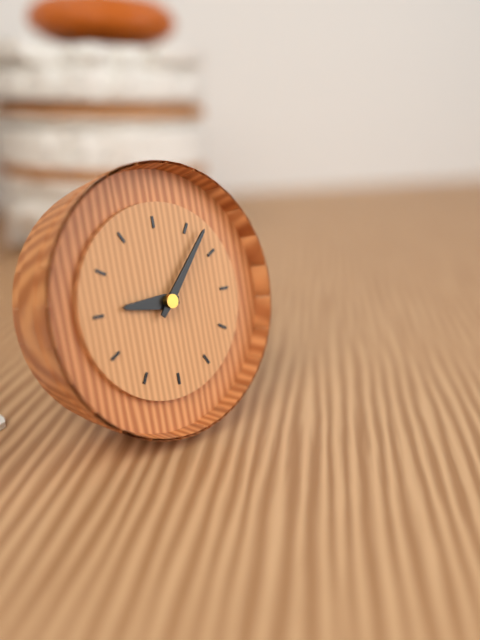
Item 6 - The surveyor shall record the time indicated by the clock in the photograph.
9:07
